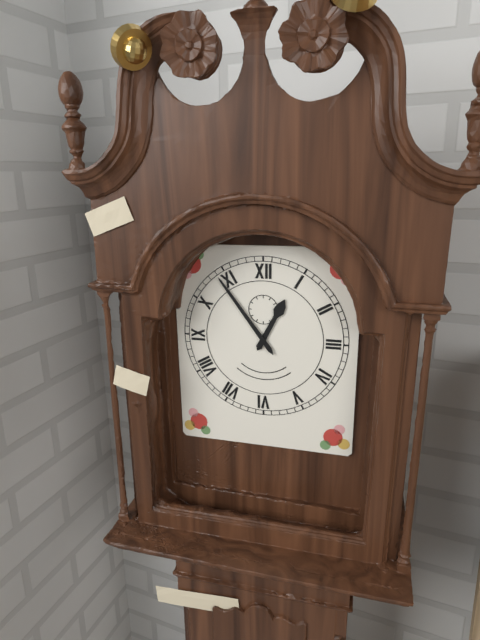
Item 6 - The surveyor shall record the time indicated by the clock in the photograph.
12:54
